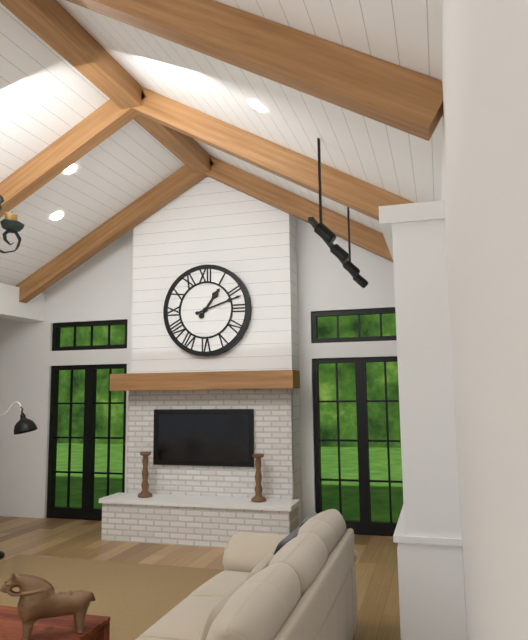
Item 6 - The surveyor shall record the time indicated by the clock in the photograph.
1:12
